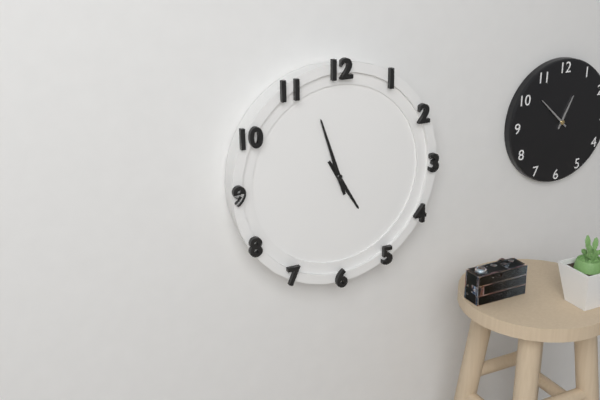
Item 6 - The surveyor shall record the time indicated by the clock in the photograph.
4:57
